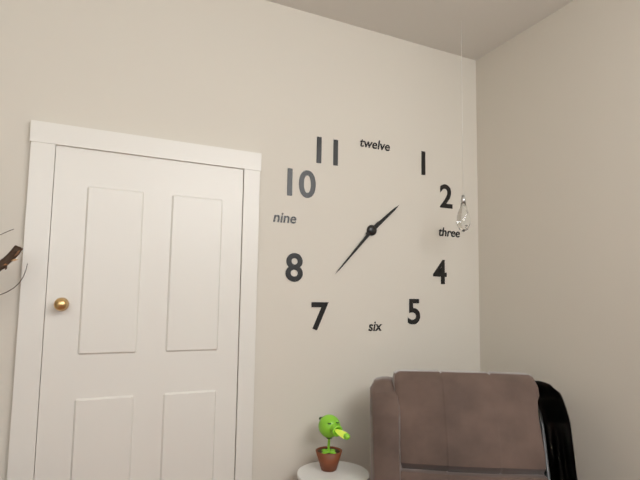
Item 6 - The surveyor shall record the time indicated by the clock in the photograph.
1:37
